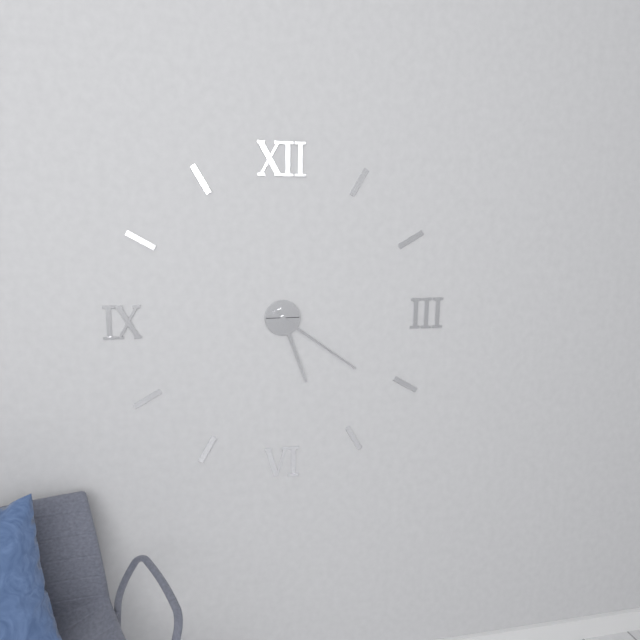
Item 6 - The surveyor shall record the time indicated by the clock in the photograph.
5:21
